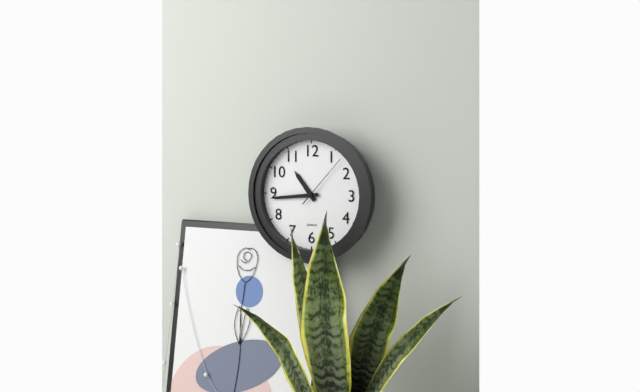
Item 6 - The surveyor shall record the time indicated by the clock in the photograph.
10:44:07
